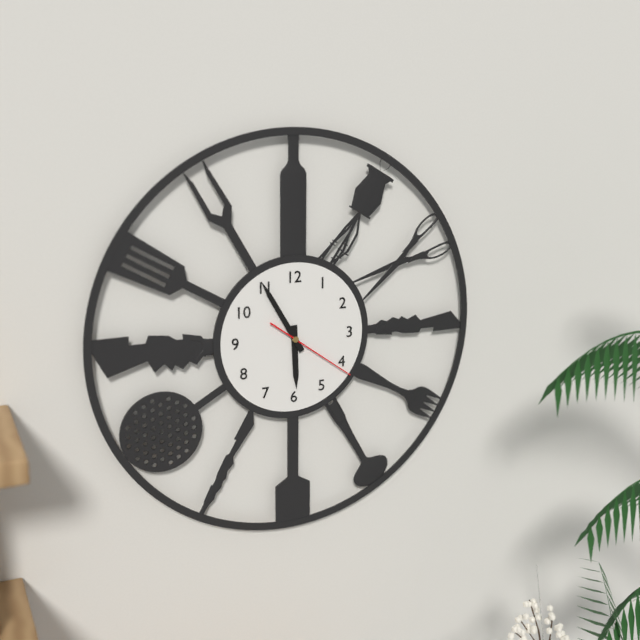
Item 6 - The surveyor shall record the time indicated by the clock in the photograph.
5:55:21
